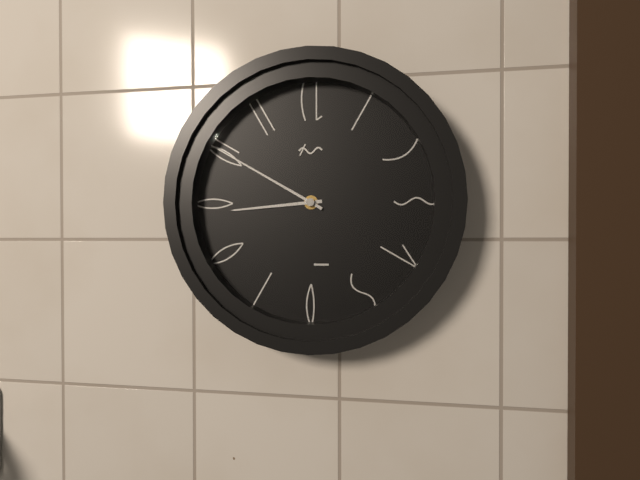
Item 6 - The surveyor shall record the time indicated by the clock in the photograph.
8:50
